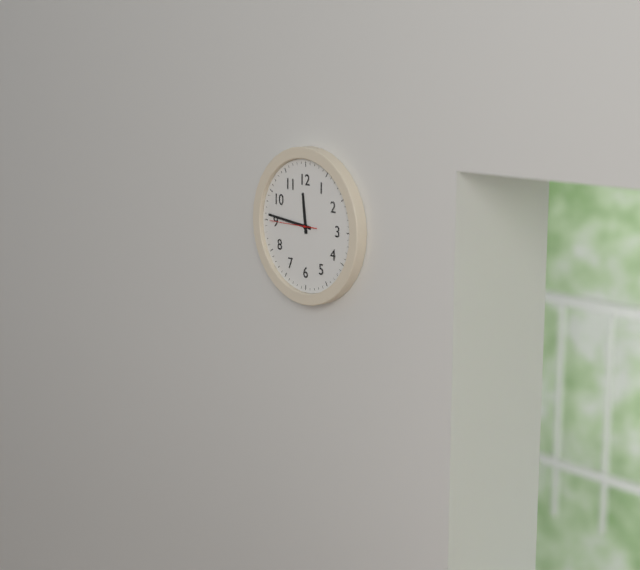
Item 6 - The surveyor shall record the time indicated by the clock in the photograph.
11:46
